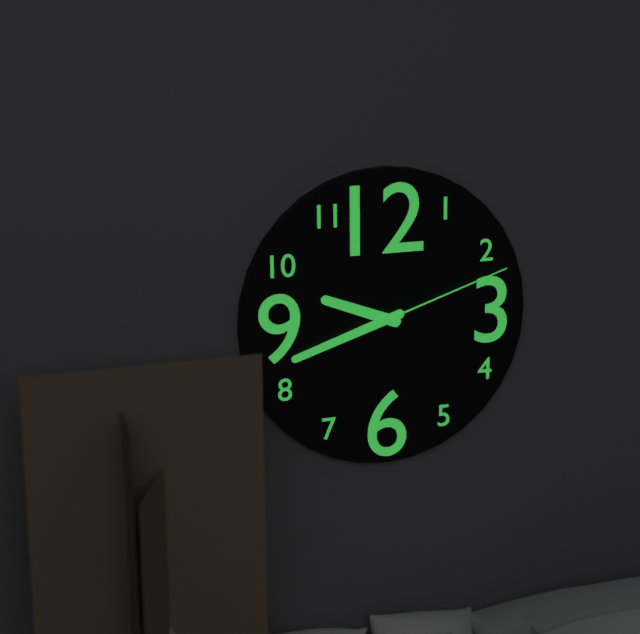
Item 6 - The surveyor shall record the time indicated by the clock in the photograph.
9:42:12
